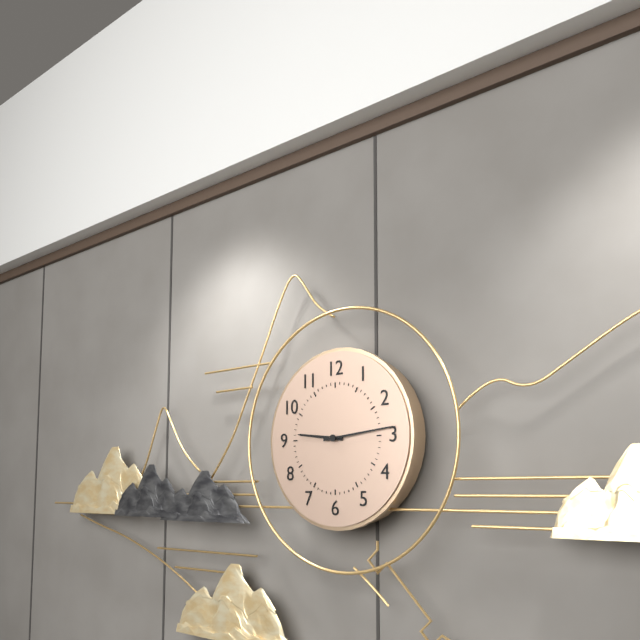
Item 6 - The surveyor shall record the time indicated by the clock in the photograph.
9:14
